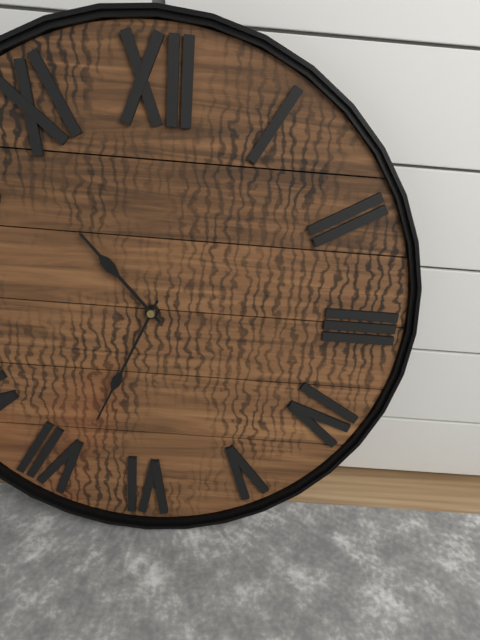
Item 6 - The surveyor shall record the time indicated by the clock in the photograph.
10:34
